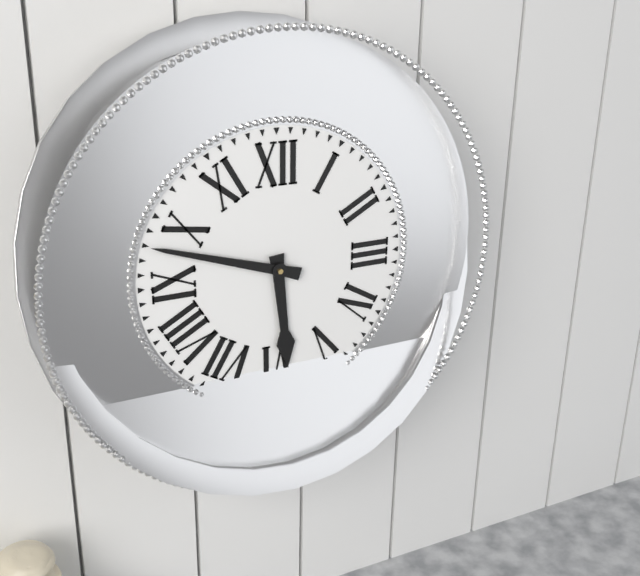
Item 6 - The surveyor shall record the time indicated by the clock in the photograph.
5:48
